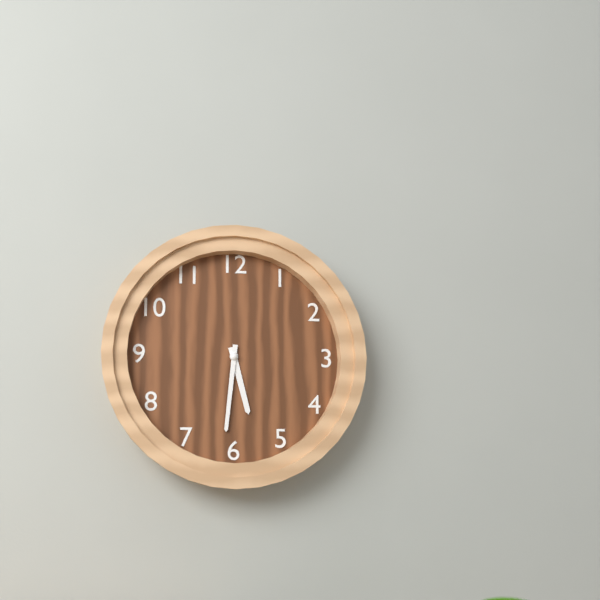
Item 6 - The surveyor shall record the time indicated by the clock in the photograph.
5:31
